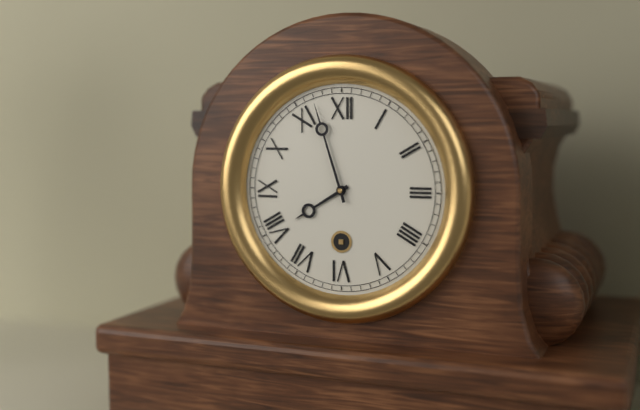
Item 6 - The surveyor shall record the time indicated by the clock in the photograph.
7:57
